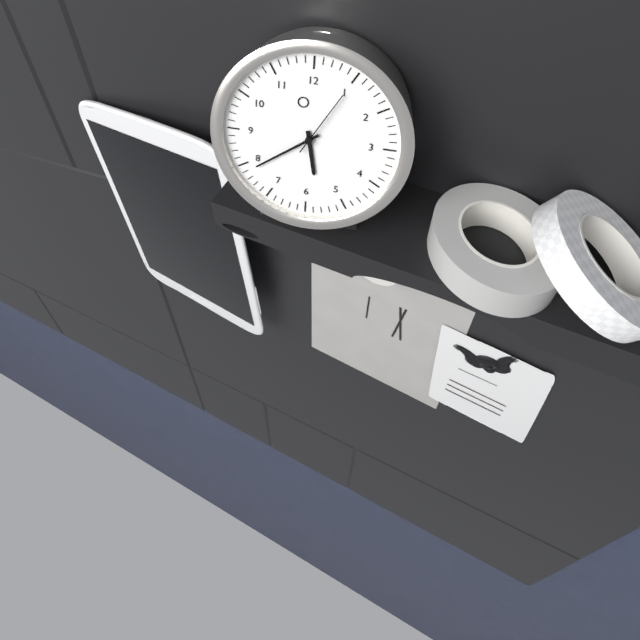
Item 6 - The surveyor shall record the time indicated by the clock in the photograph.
5:39:05
